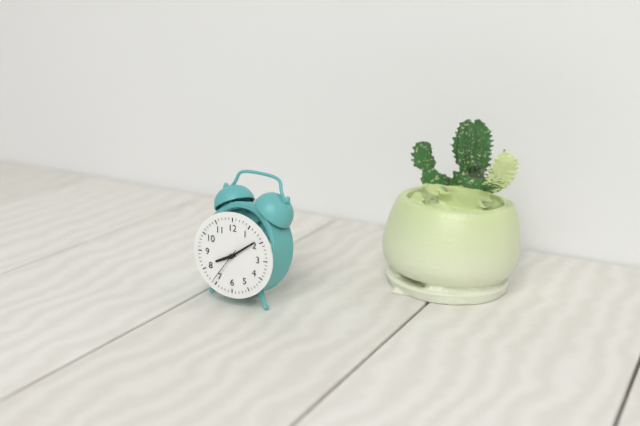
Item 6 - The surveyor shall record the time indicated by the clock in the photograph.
8:09
